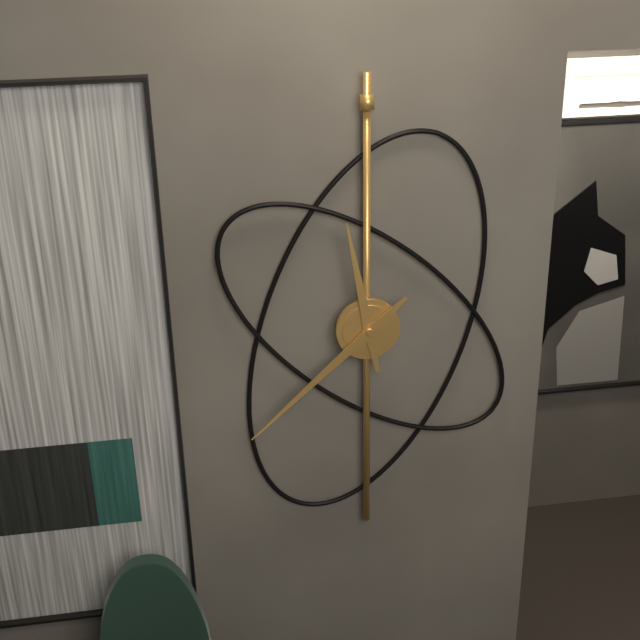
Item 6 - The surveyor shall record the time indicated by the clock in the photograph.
11:38
